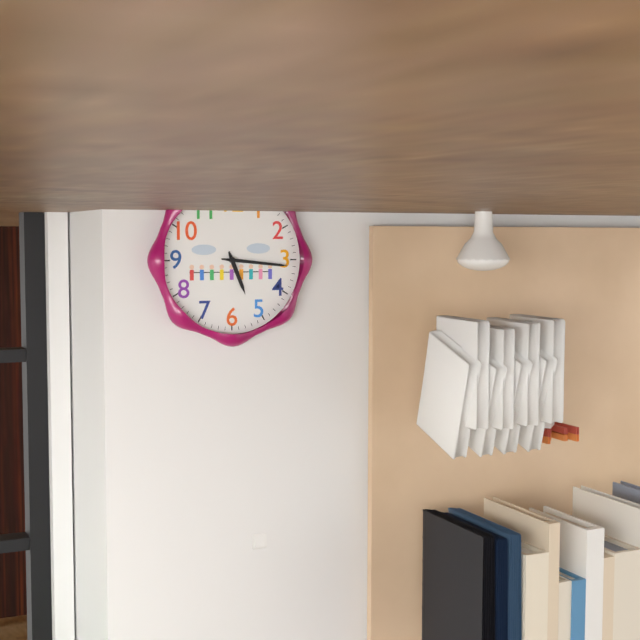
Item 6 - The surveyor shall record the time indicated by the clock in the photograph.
5:16
